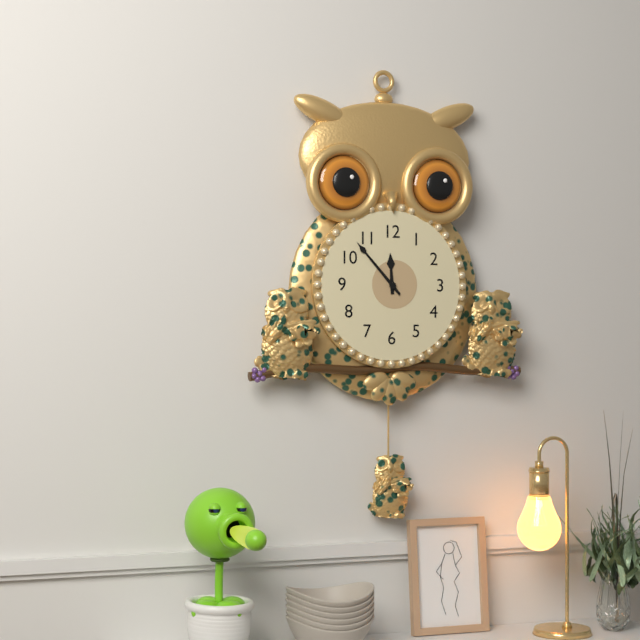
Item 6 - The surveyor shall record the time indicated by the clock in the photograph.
11:53
